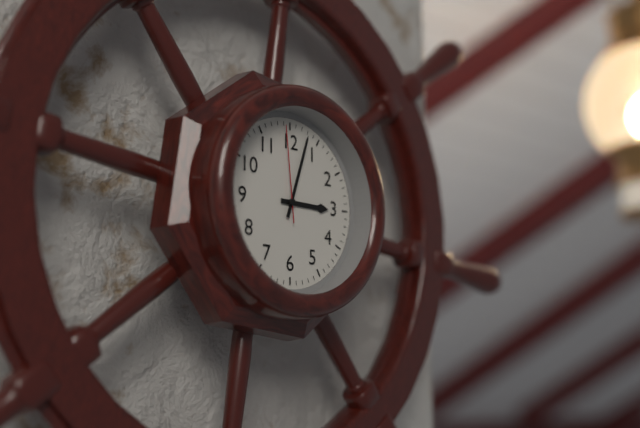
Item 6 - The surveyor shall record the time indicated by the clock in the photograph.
3:03:59
